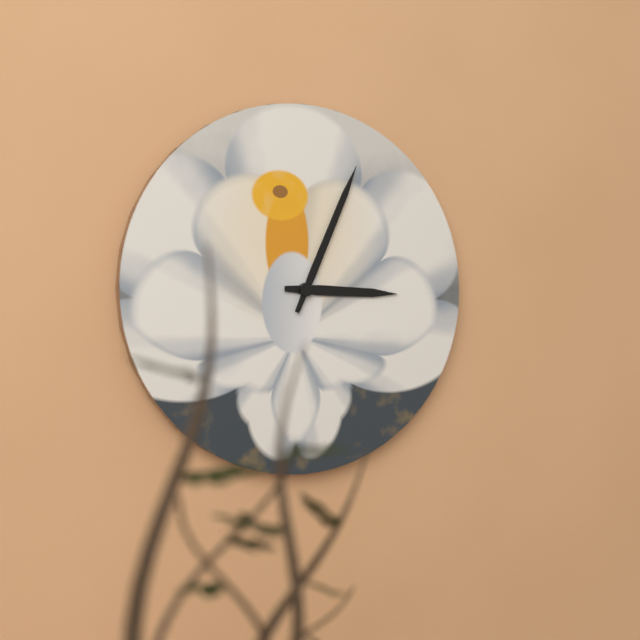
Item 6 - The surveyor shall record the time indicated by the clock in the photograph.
3:04
